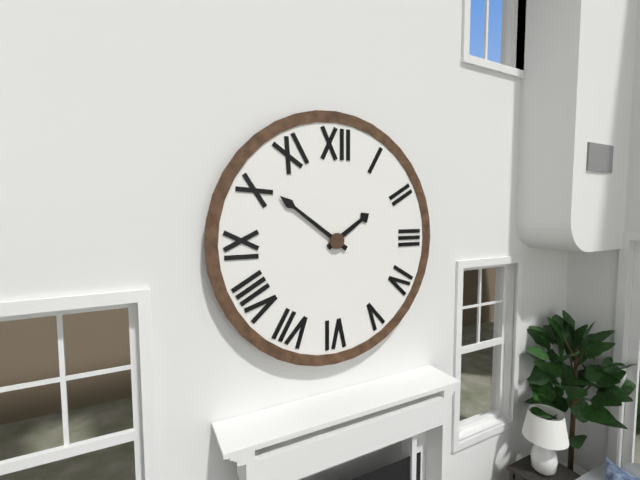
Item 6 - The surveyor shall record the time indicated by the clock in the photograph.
1:51
